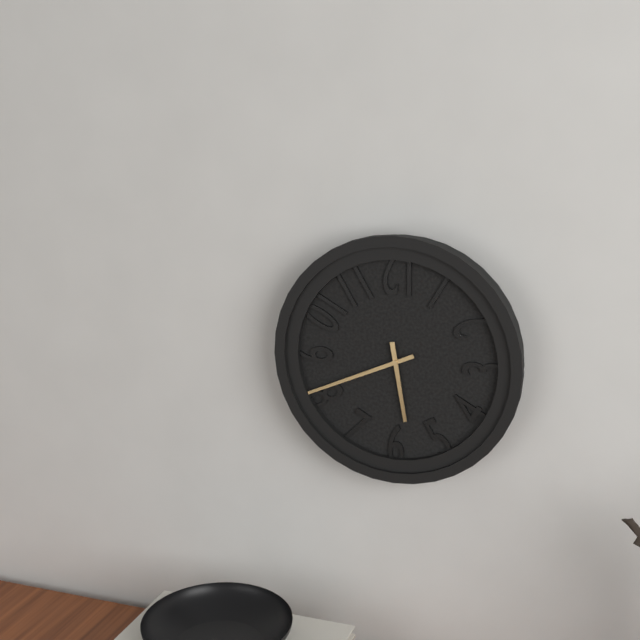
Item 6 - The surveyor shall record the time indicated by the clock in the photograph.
5:41
